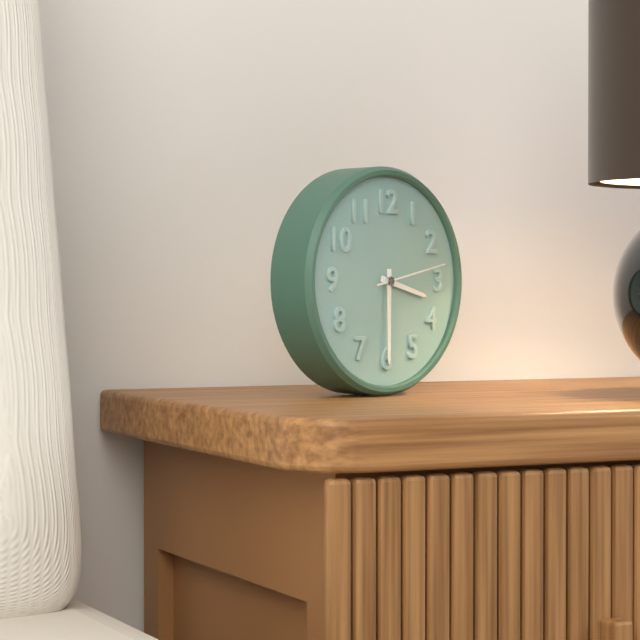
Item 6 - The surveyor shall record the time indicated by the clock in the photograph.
3:30:13
